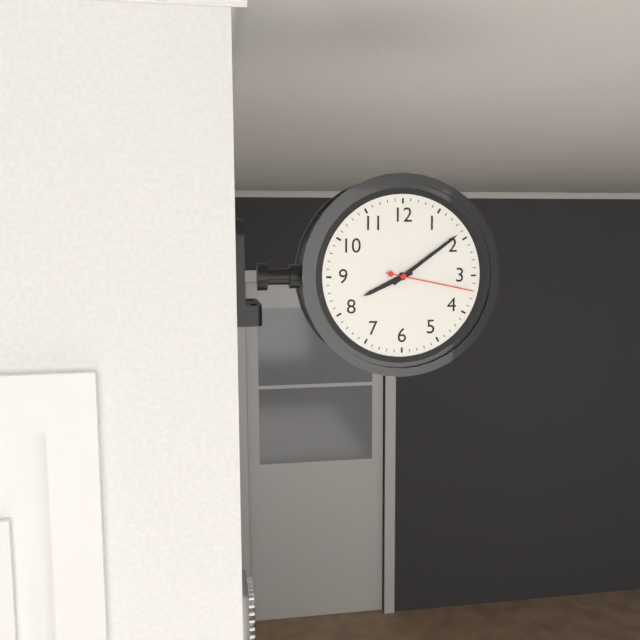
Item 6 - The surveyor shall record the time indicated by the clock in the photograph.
8:09:17
